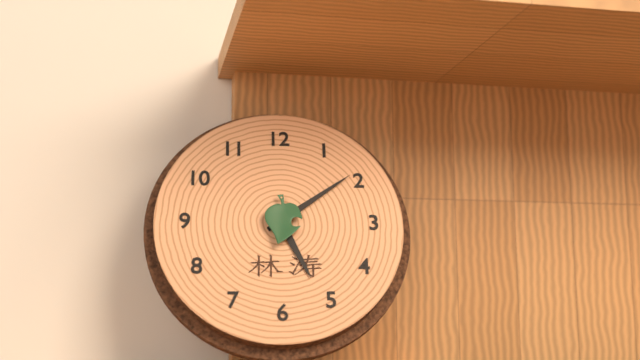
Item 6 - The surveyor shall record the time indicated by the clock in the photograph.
5:09
